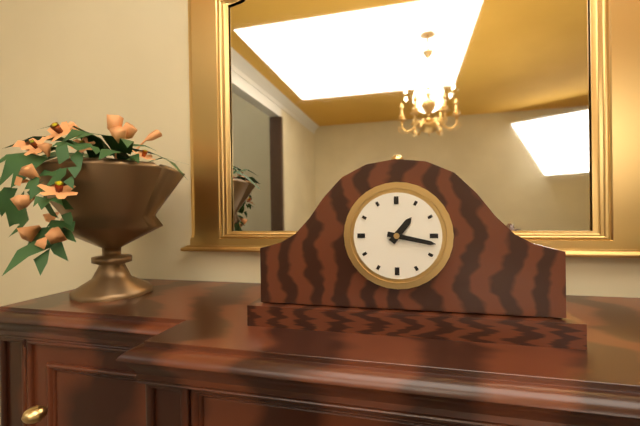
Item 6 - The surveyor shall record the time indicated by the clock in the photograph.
1:17
